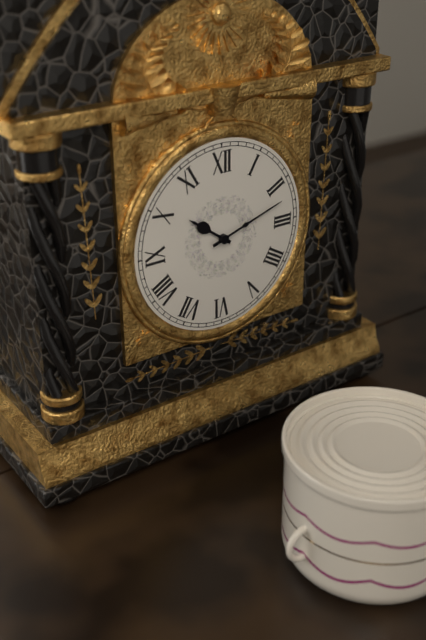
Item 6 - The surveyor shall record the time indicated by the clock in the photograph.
10:12
